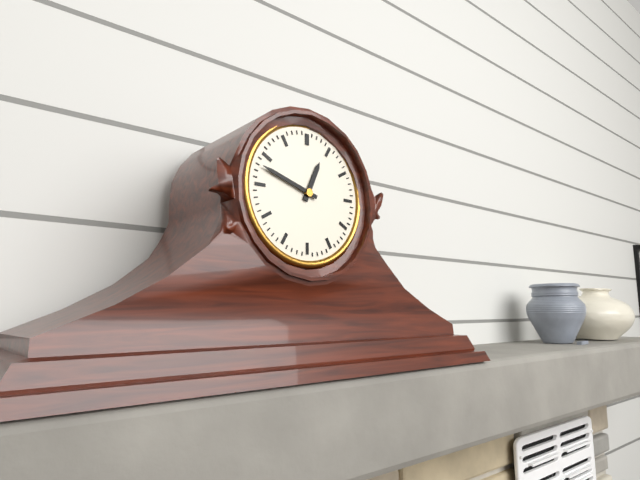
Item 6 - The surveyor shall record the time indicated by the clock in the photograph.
12:48
